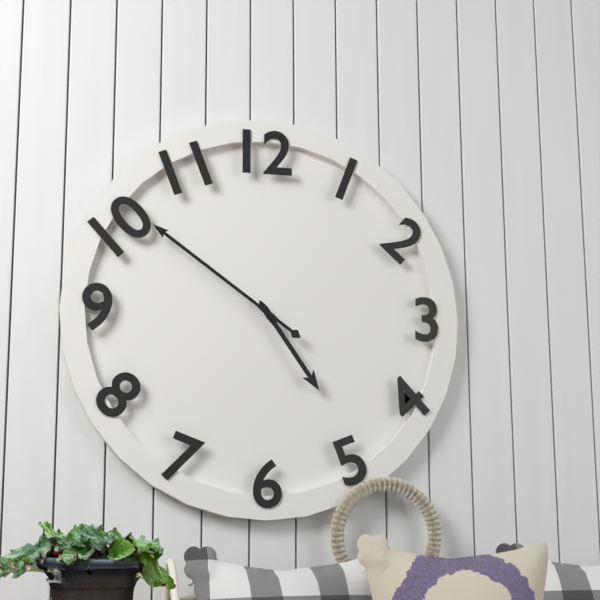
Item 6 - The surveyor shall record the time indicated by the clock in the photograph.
4:51
